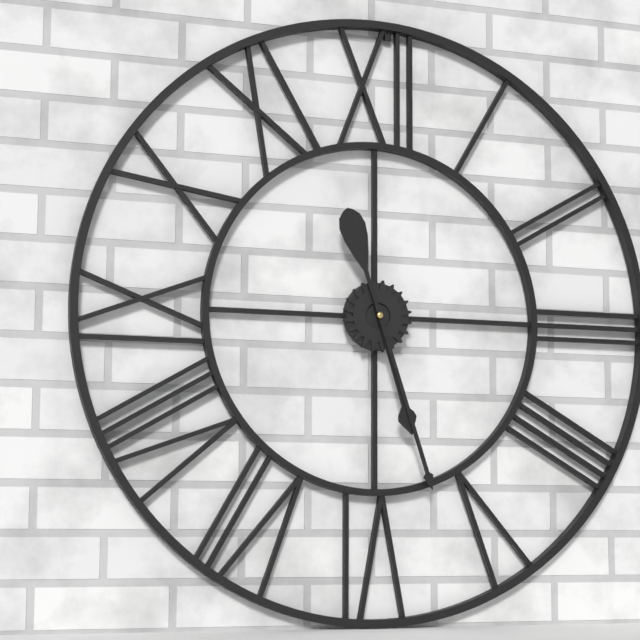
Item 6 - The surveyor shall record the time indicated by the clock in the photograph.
5:27
